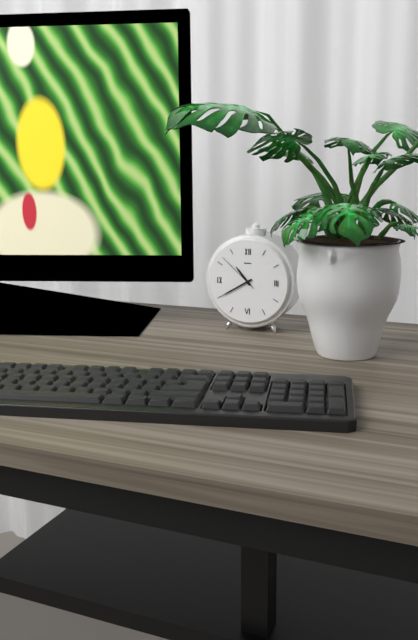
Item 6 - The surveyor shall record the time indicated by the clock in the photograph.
10:40
